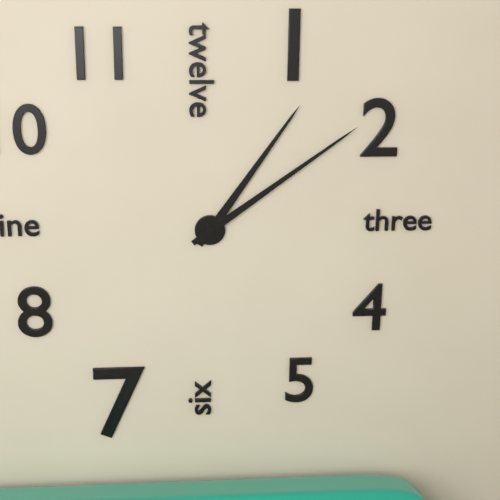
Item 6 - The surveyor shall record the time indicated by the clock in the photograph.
1:09
